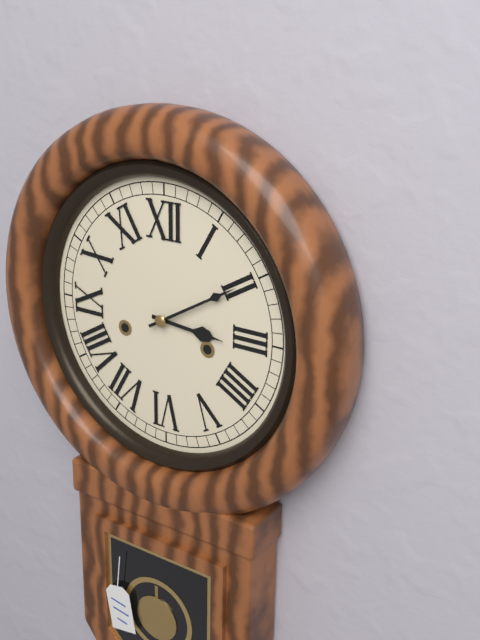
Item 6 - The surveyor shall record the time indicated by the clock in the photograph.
3:10
